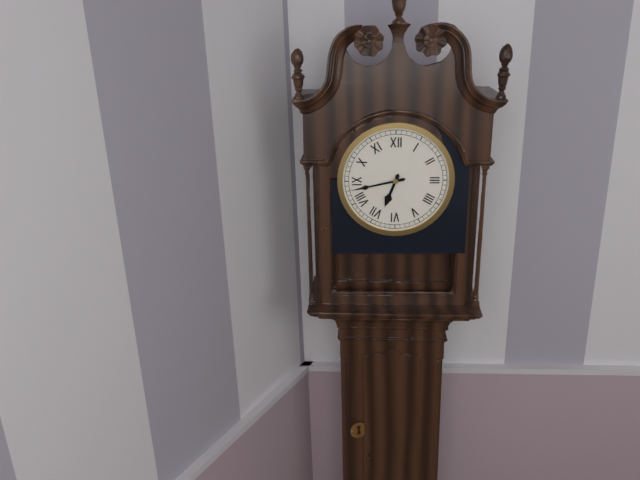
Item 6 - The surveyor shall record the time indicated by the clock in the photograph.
6:43
